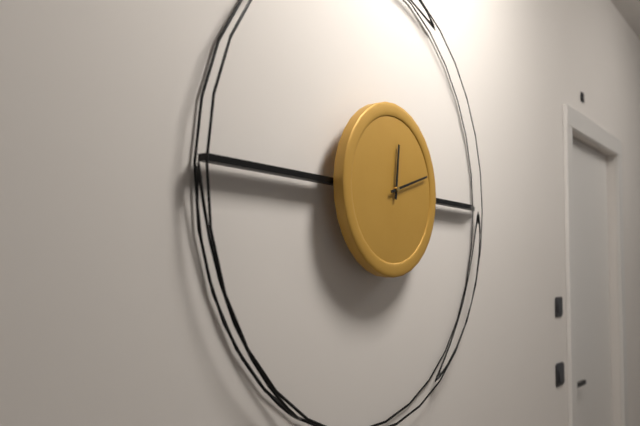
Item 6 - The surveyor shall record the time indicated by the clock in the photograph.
12:12
